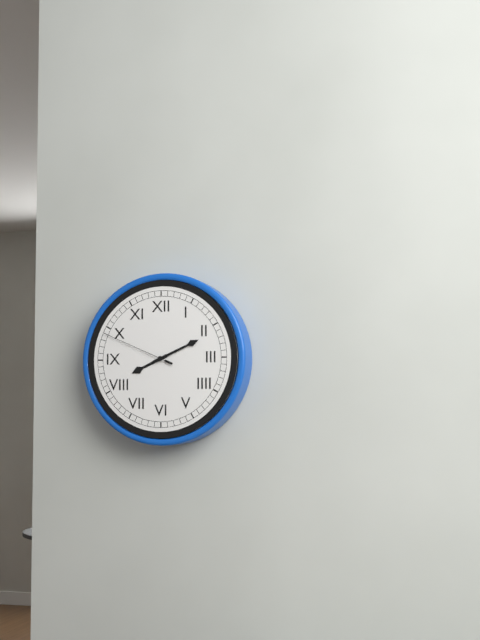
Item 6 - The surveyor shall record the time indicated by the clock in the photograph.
8:11:49
